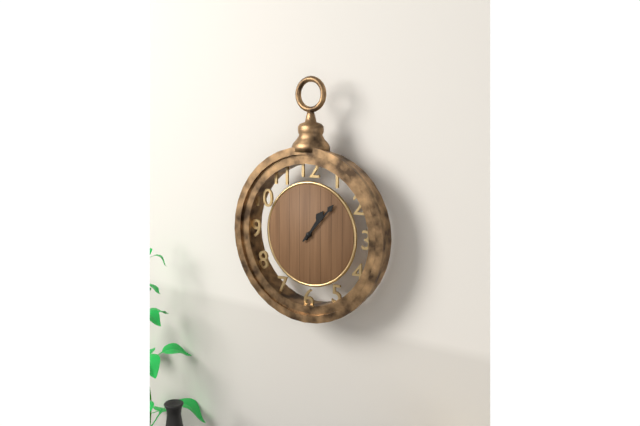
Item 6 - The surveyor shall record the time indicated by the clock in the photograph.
1:07
